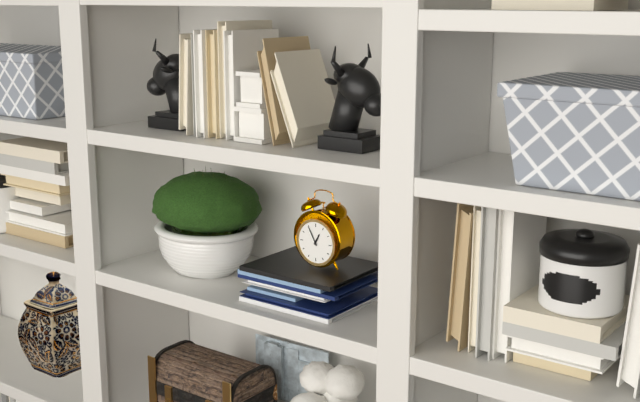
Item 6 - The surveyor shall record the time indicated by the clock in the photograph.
12:55
